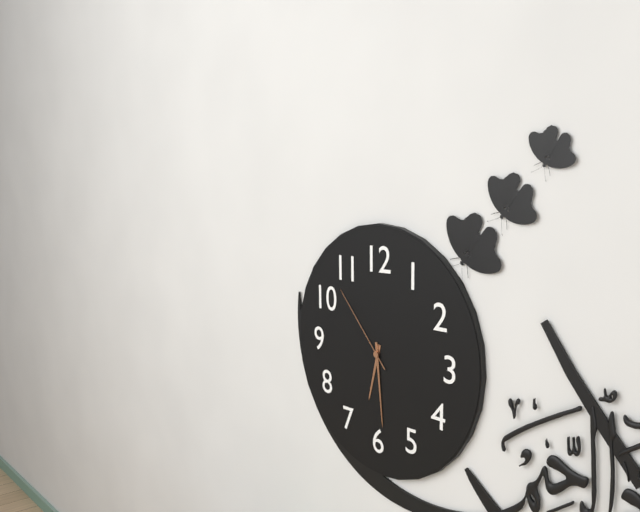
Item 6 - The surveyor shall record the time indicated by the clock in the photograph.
6:29:53
